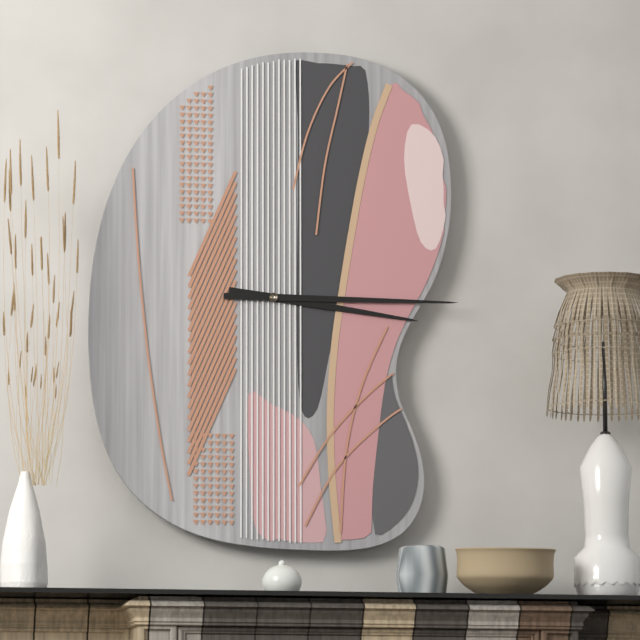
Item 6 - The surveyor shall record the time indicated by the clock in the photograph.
3:15
